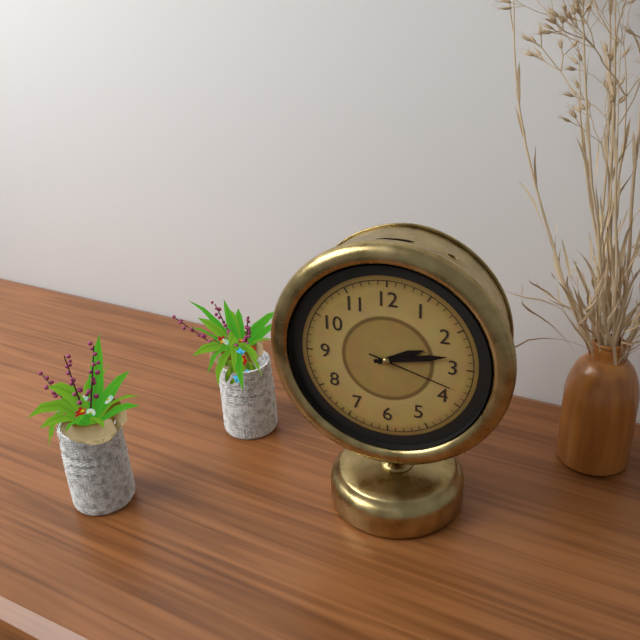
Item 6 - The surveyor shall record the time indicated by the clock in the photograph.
2:13:18
